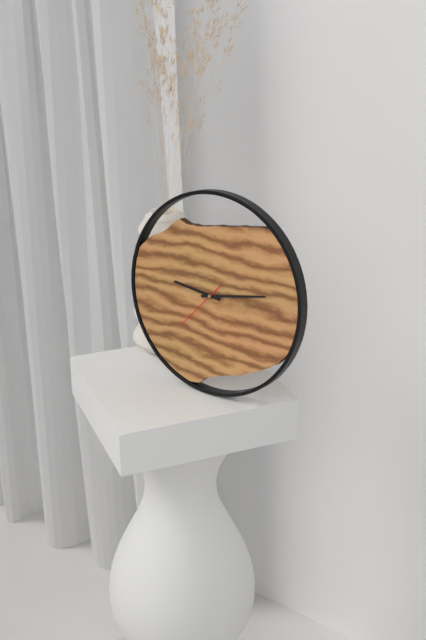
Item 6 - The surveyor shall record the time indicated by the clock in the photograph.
9:13:37
